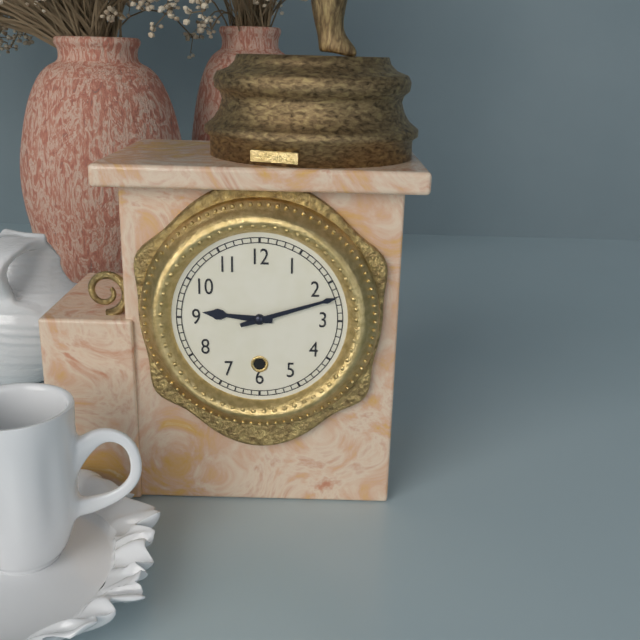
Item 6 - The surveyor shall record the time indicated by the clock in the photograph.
9:12
